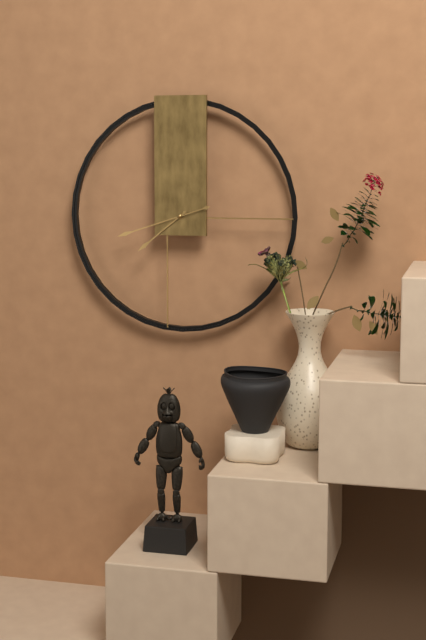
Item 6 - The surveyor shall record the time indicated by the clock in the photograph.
7:42
